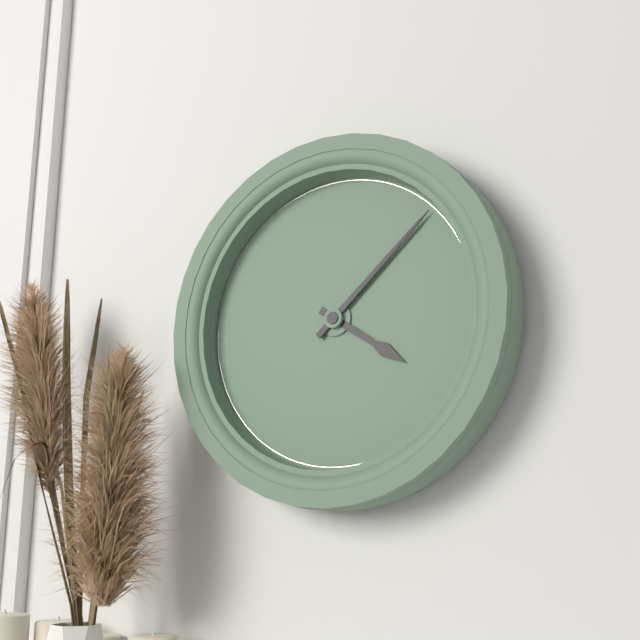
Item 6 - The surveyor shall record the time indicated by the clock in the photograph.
4:08
